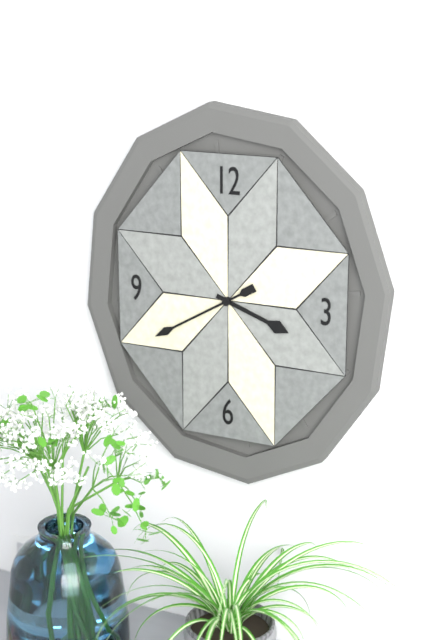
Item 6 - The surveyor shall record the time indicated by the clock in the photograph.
3:40
